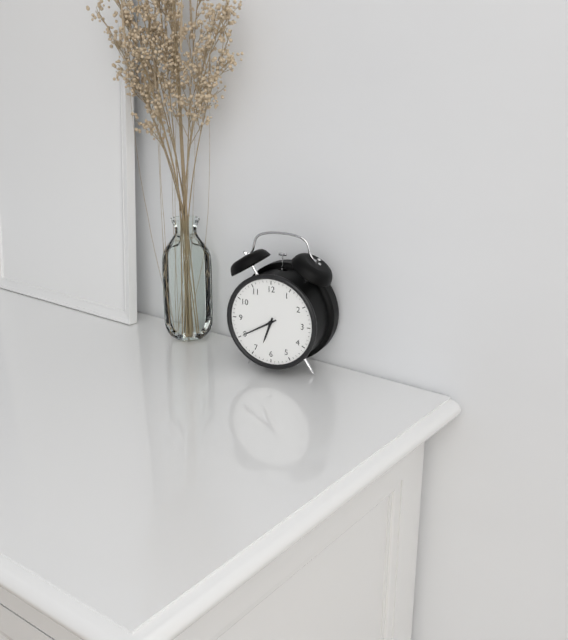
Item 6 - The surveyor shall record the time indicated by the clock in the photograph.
6:40
